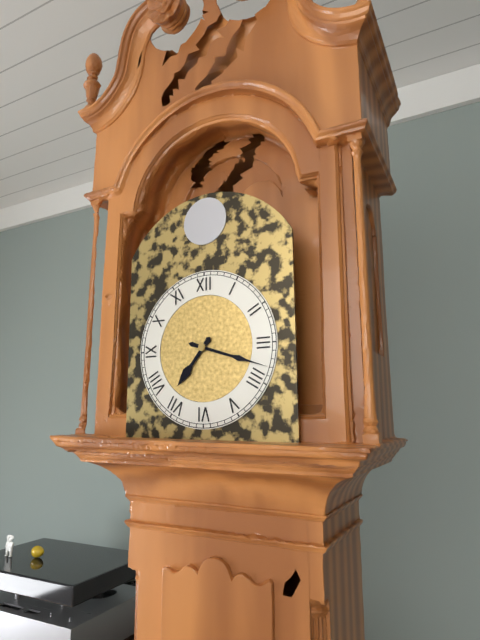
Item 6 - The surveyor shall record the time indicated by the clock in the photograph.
7:18
